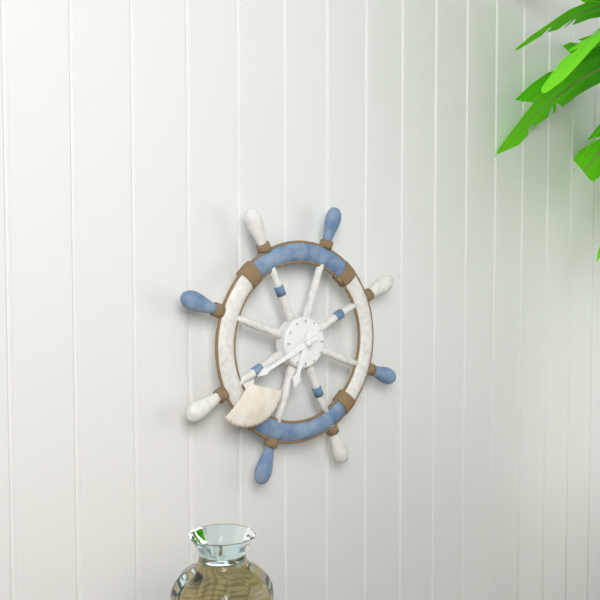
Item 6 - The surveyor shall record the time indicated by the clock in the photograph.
6:41
